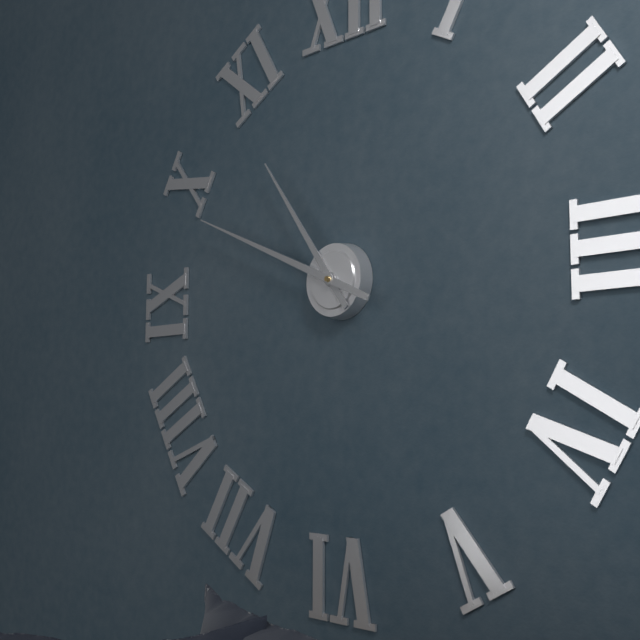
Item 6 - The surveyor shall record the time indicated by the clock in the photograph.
10:49
